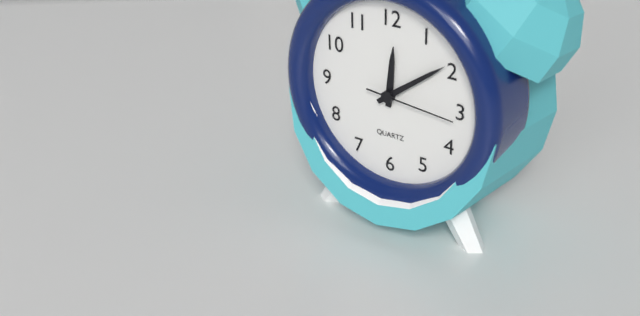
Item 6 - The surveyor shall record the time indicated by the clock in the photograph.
12:09:16
